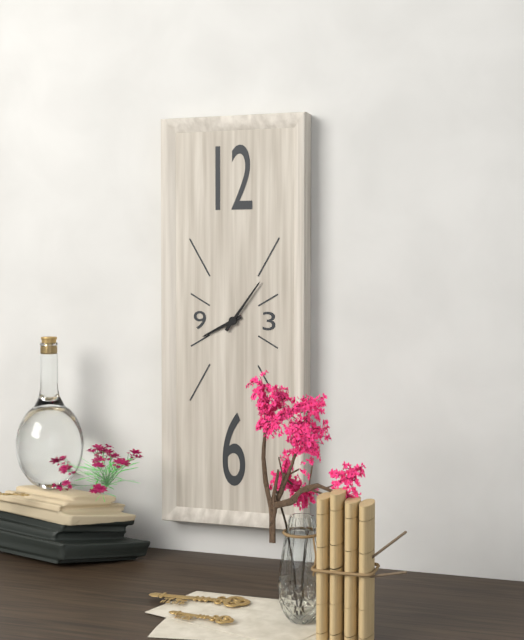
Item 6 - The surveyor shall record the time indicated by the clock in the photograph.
8:06
